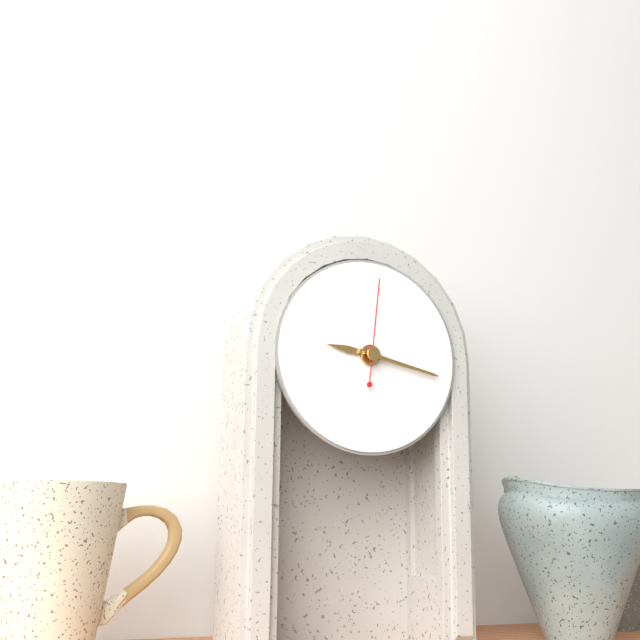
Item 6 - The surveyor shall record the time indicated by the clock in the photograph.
9:17:01
